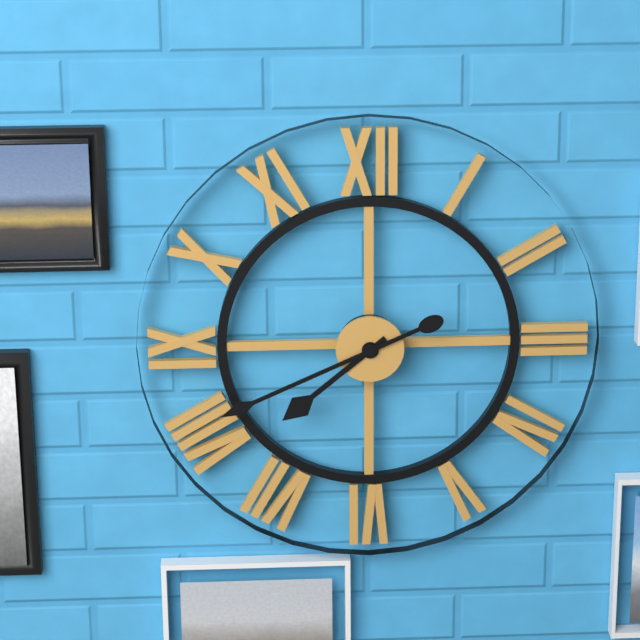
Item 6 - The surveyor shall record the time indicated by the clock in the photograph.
7:41
